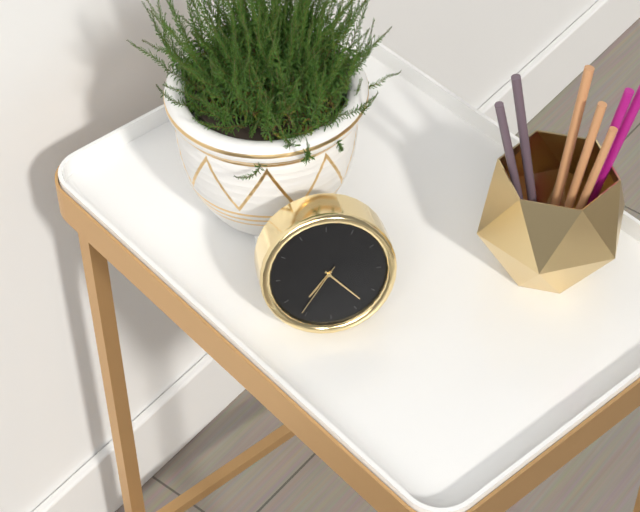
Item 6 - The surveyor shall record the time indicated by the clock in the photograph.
7:23:36
